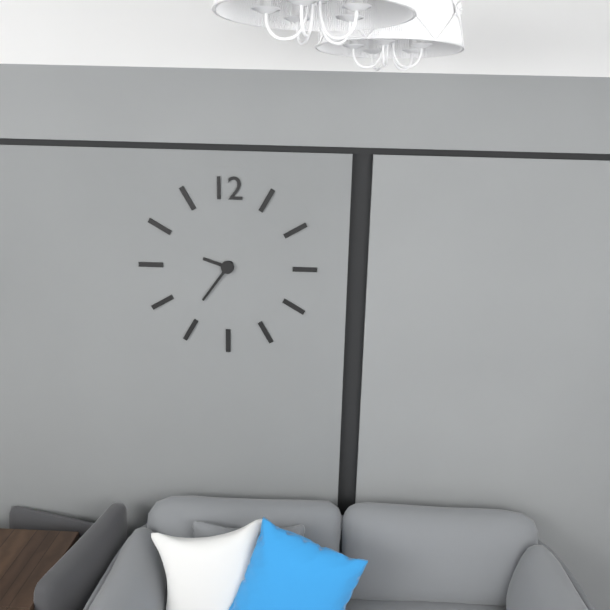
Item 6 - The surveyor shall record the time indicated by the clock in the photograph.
9:36
